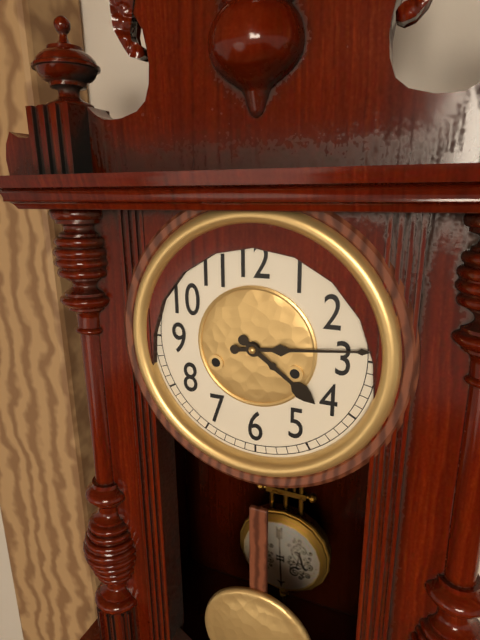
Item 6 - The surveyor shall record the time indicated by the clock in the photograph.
4:14
